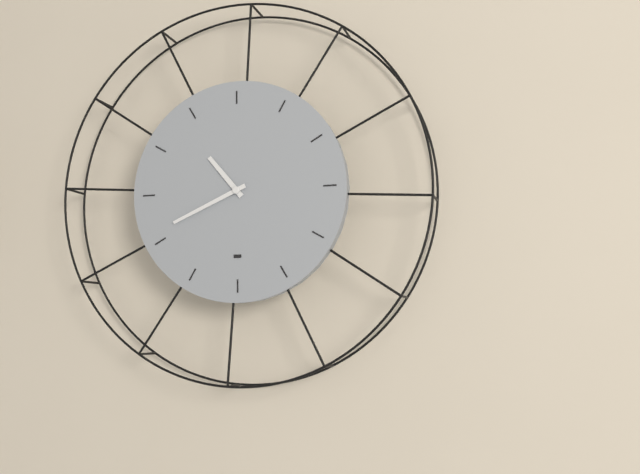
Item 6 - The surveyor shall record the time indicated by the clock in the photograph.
10:41
